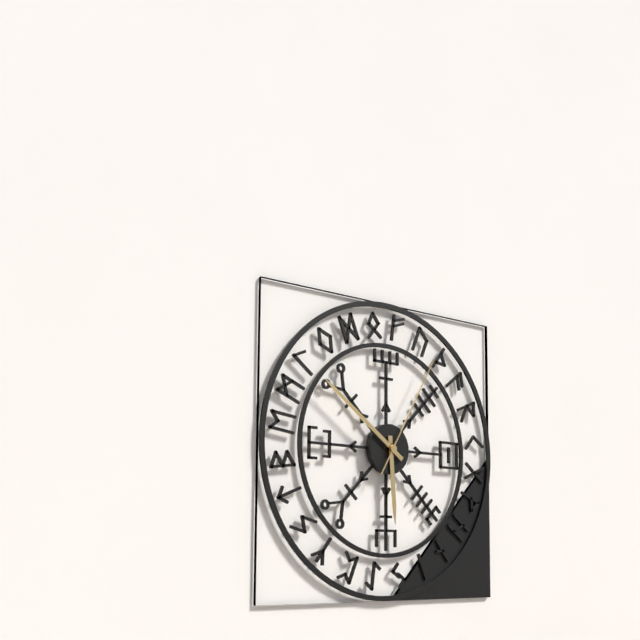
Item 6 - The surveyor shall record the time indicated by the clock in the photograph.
5:51:05
